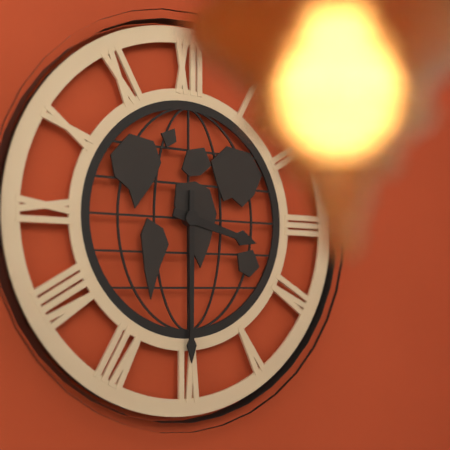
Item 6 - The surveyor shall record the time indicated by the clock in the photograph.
3:30
